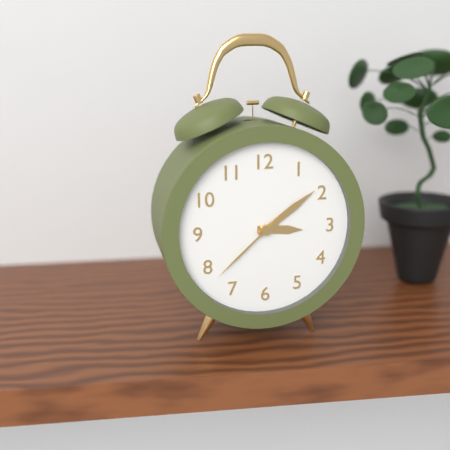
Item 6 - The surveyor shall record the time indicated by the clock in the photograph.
3:09:38
